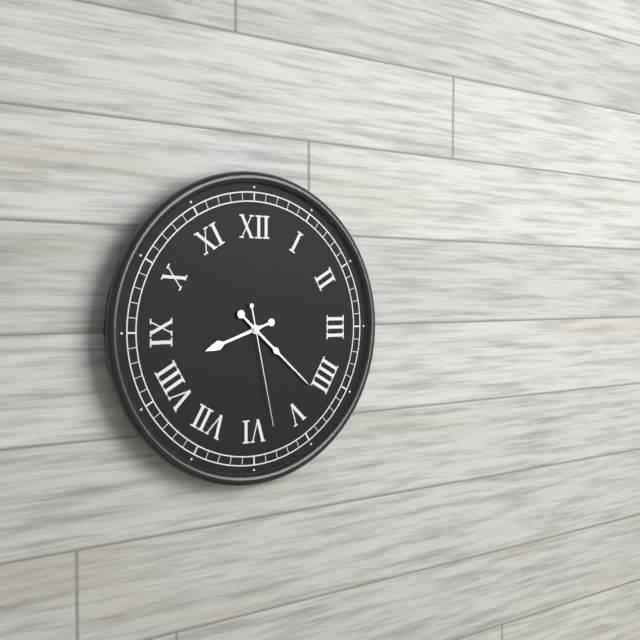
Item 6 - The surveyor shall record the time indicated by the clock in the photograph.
8:22:28
